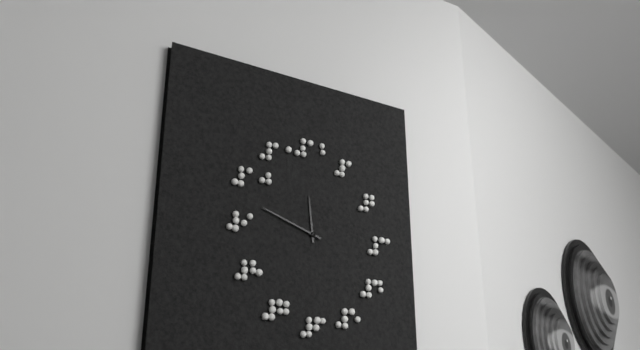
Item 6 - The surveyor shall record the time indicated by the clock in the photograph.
11:48
